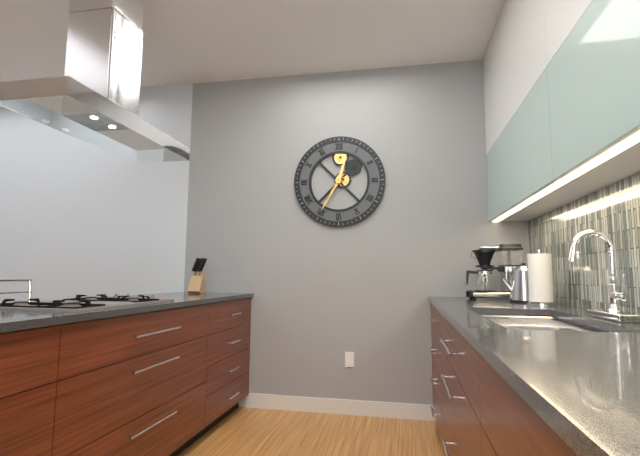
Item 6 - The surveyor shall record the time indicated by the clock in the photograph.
12:35
